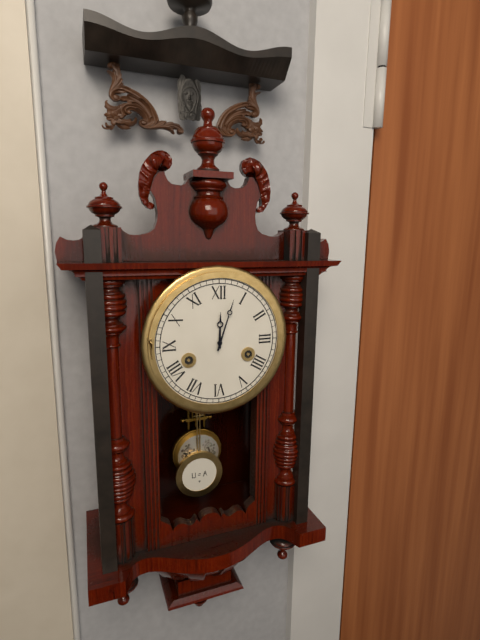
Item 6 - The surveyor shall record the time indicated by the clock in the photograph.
12:03
